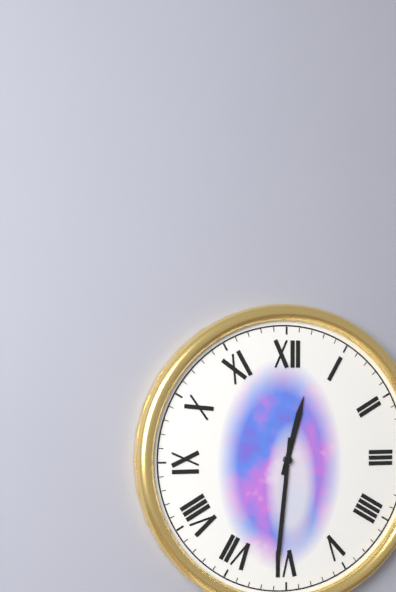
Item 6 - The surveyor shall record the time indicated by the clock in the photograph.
12:31
